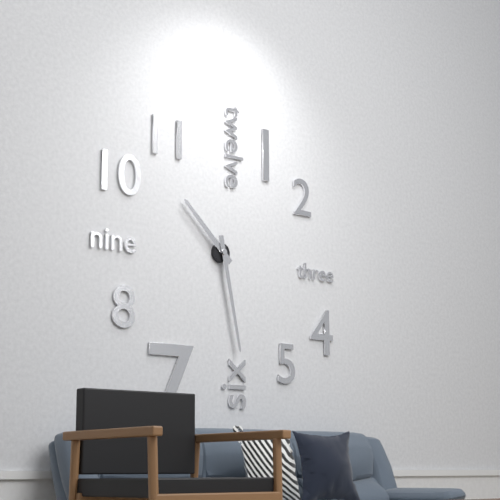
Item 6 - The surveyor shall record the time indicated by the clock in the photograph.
10:28
